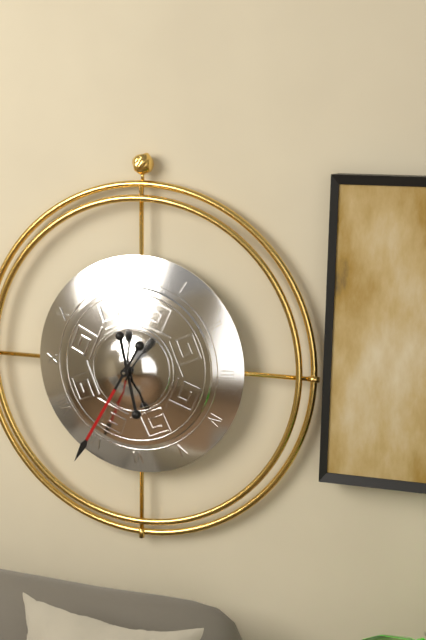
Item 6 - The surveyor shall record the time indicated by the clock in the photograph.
5:35
